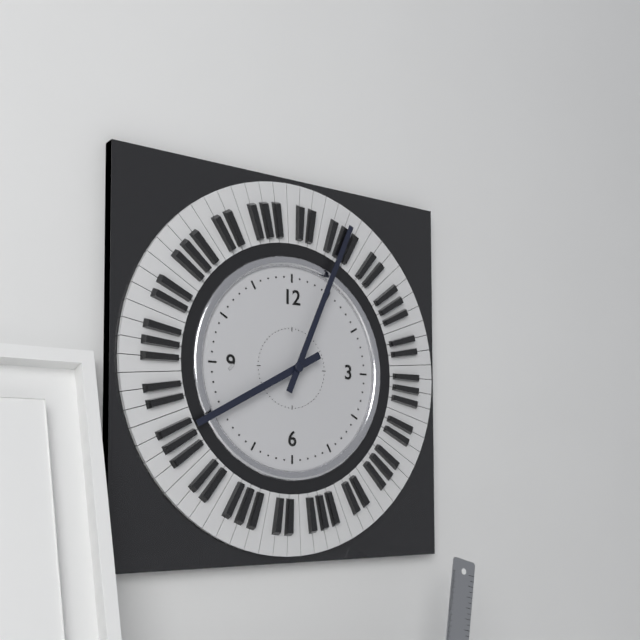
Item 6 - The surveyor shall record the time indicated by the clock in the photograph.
8:04
